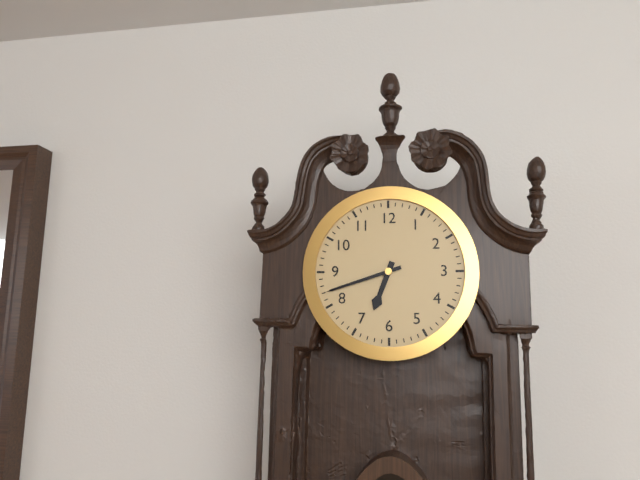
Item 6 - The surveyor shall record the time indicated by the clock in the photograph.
6:42
